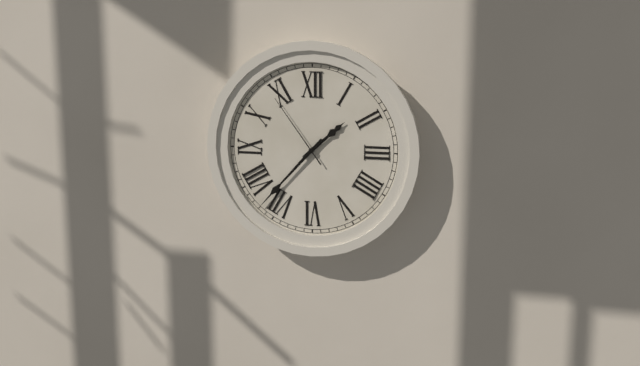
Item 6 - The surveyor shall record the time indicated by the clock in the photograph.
1:37:54
